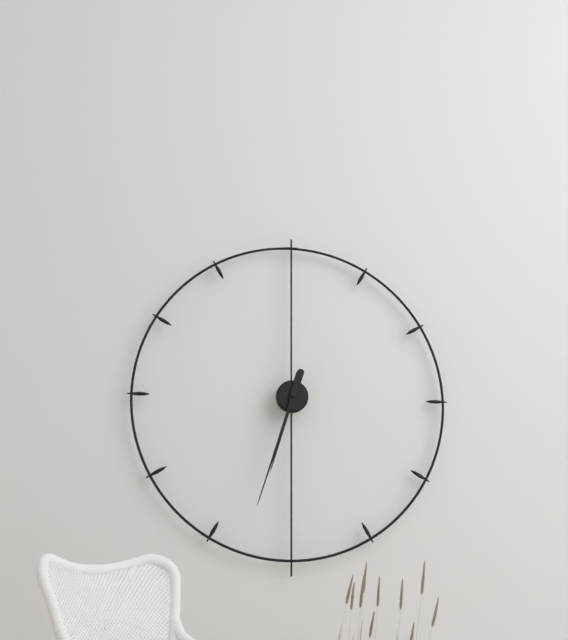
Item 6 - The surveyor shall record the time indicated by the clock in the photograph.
6:33
